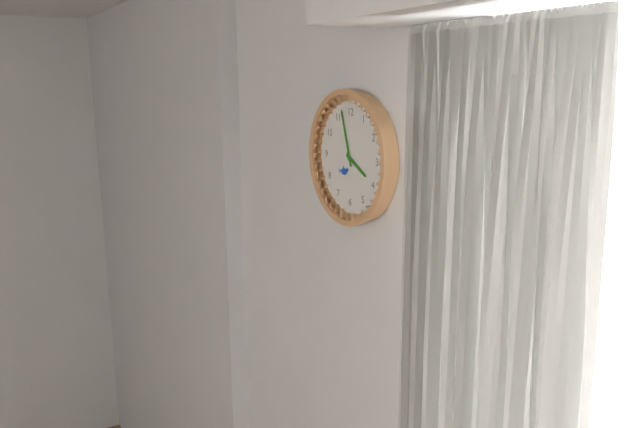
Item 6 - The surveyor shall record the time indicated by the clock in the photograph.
3:57
